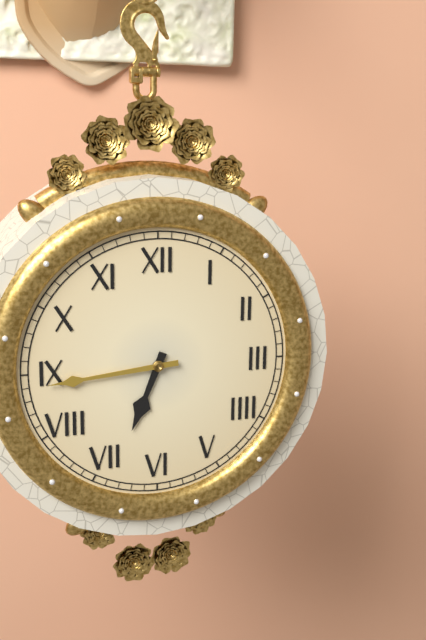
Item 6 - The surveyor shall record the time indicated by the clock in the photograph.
6:44
